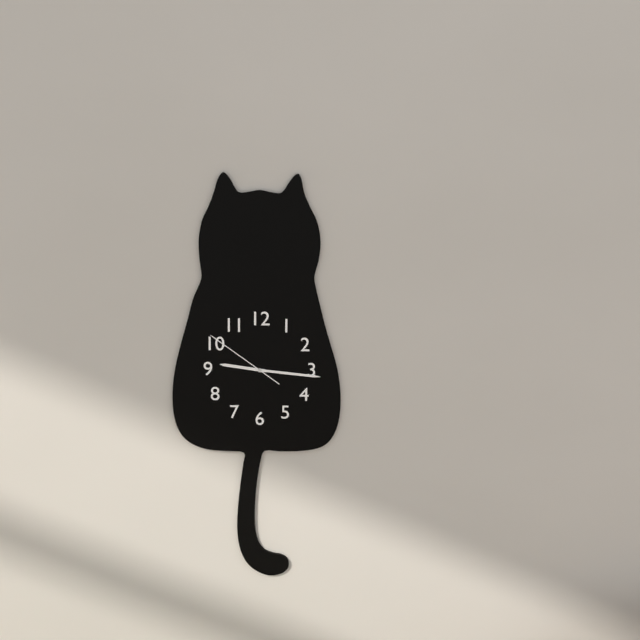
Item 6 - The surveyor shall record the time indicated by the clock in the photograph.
9:16:51
